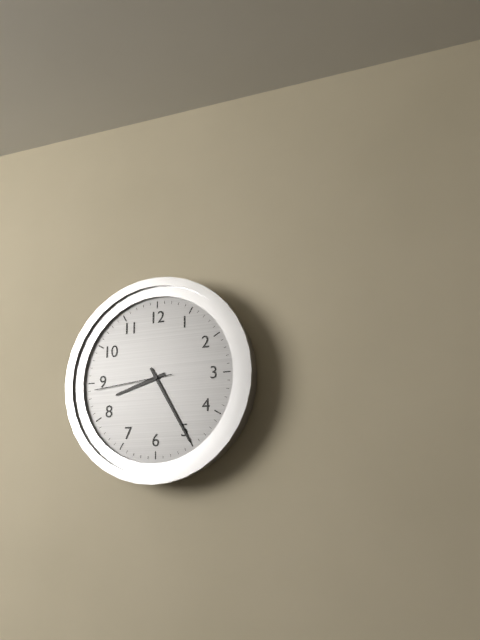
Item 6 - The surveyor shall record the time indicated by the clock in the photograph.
8:25:44
